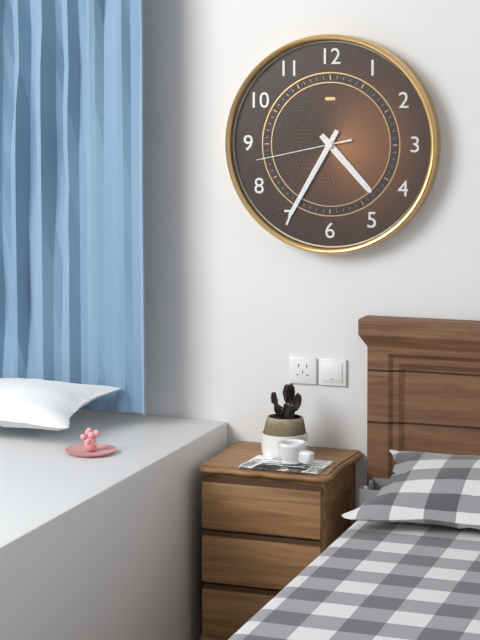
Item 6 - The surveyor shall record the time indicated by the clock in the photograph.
4:35:43
